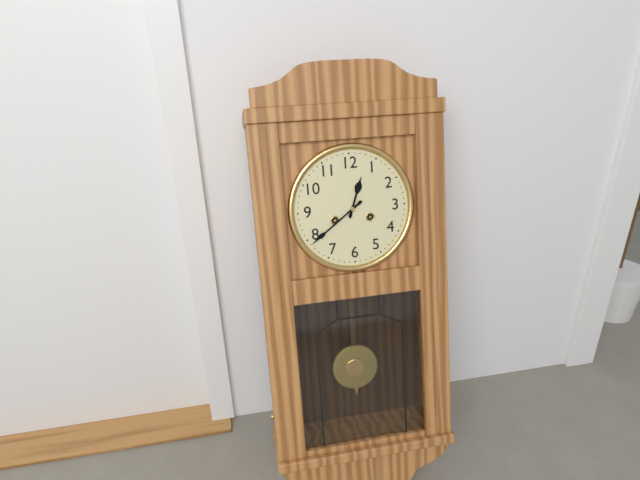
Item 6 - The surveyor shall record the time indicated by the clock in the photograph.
12:39
